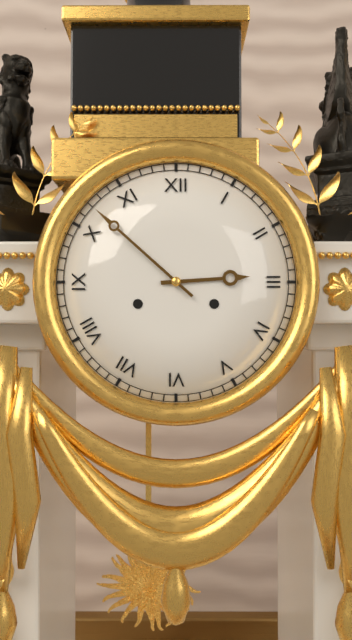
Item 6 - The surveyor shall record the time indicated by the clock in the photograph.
2:52
